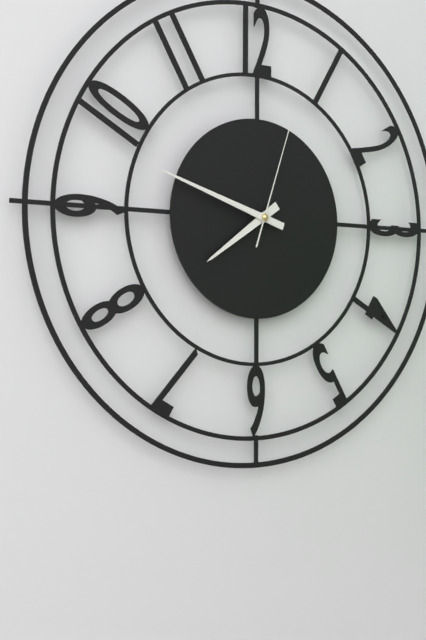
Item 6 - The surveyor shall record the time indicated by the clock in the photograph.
7:48:03
